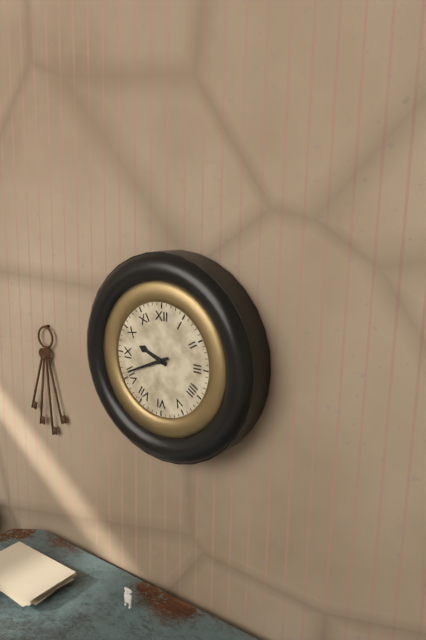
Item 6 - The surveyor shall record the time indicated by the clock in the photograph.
9:41
